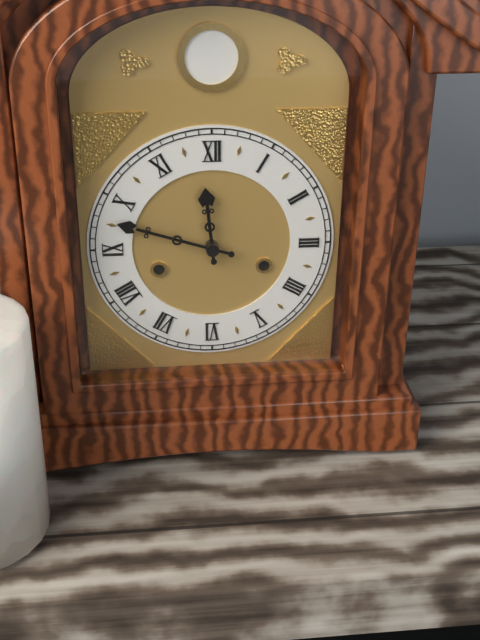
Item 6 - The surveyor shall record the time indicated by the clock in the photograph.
11:48
